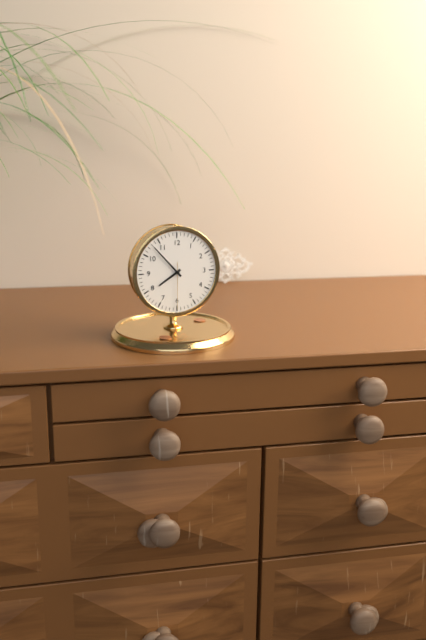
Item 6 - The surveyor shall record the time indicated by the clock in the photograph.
7:53
